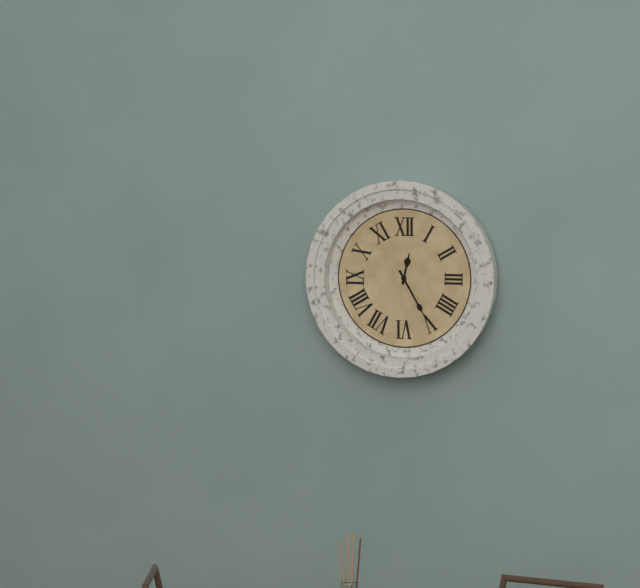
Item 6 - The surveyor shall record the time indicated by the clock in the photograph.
12:25
